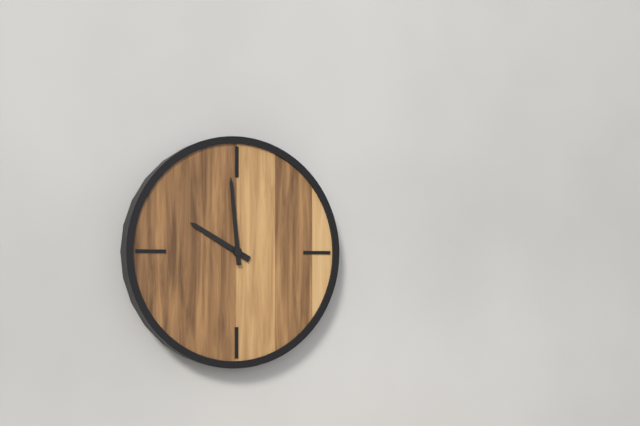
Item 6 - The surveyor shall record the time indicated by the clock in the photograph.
9:59
